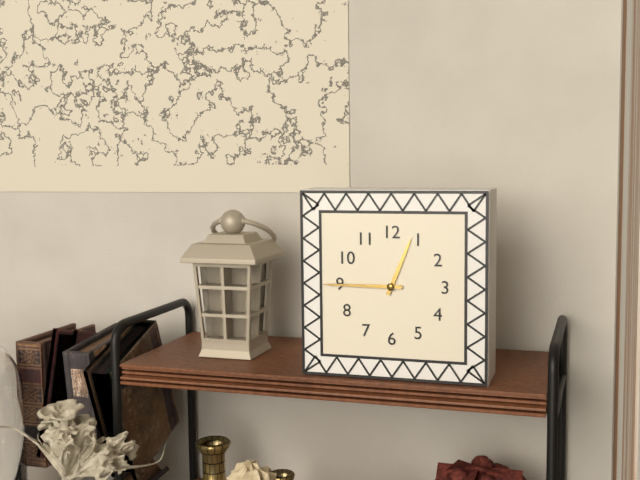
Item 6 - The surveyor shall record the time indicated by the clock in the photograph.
12:45
